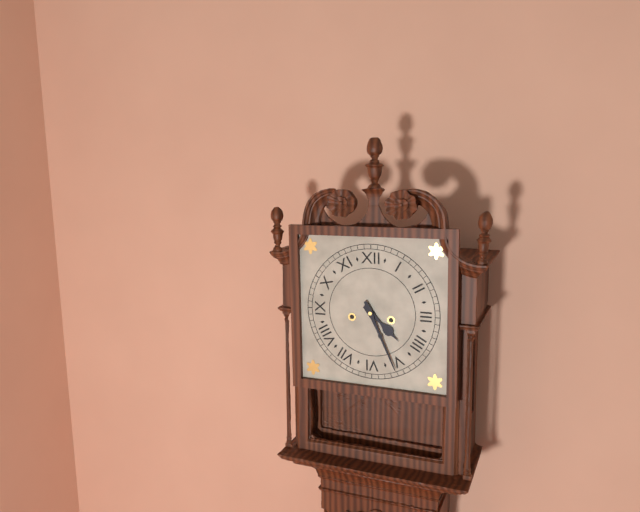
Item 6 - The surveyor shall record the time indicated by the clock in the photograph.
4:26
